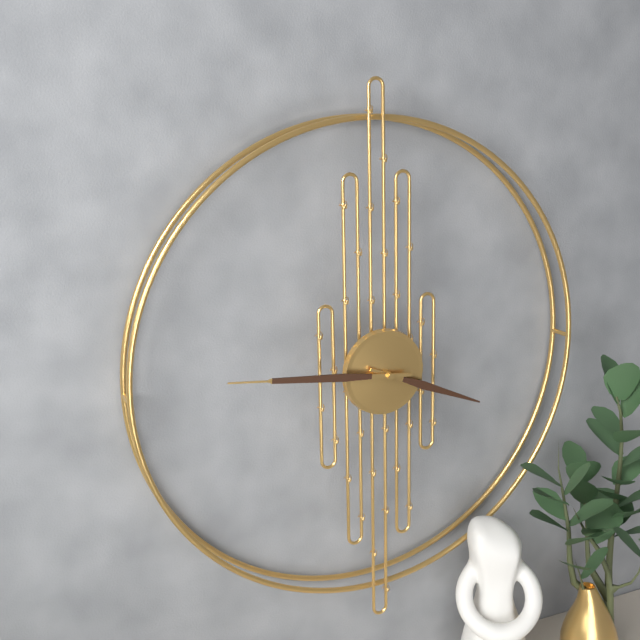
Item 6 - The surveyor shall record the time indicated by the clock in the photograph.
3:46
